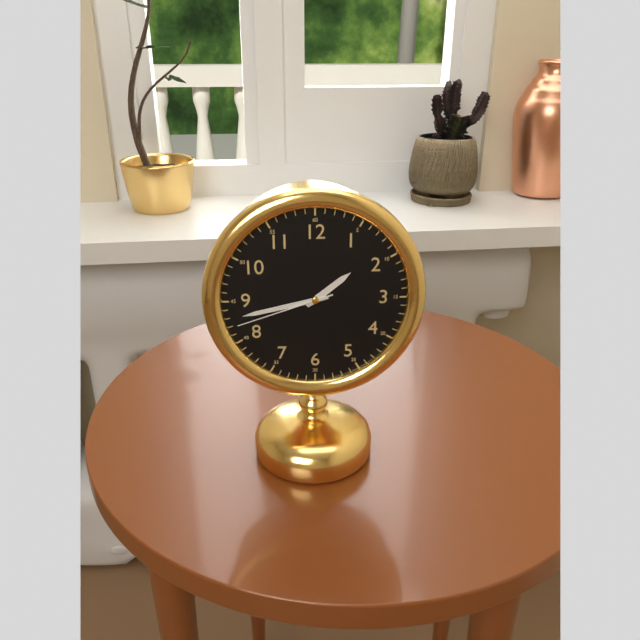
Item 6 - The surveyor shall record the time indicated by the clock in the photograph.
1:43:42
